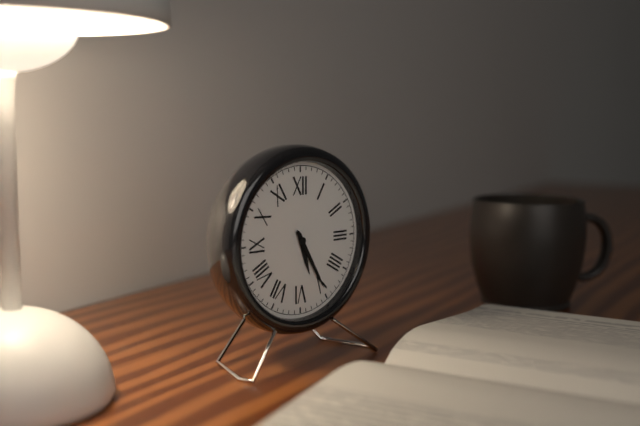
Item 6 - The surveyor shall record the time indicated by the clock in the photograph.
5:25
